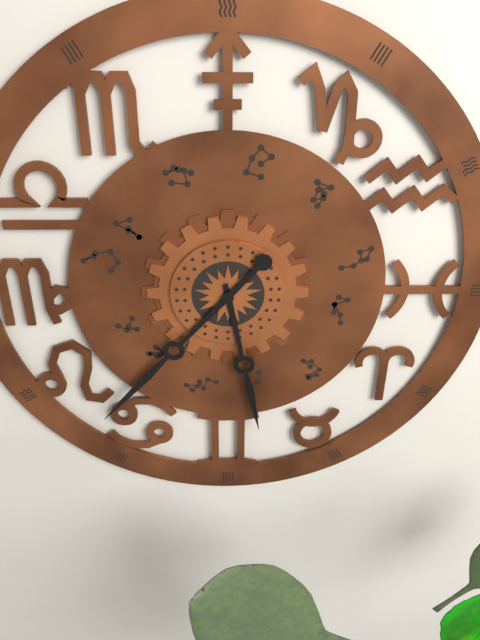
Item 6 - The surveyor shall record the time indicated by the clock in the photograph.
5:37
